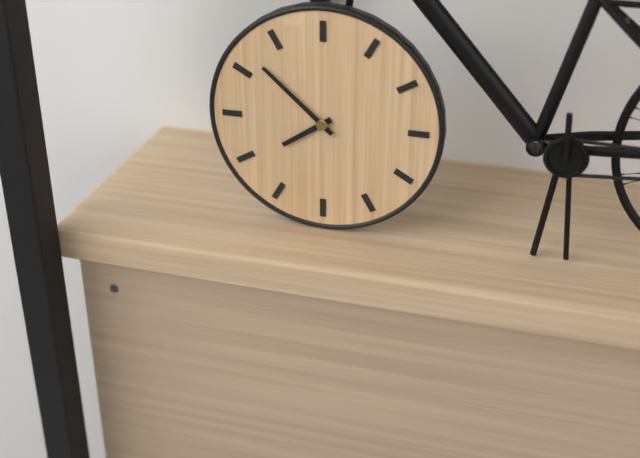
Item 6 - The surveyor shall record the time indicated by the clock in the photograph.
7:52
